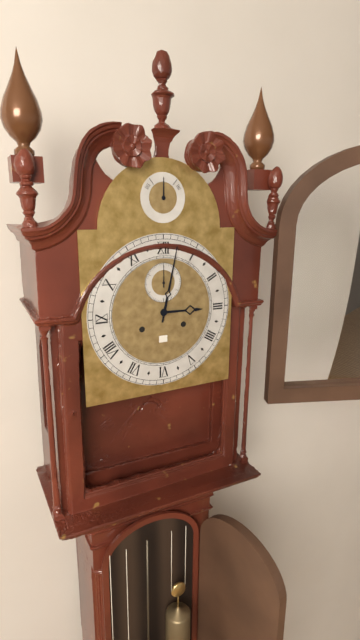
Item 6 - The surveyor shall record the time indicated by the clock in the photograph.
3:02
